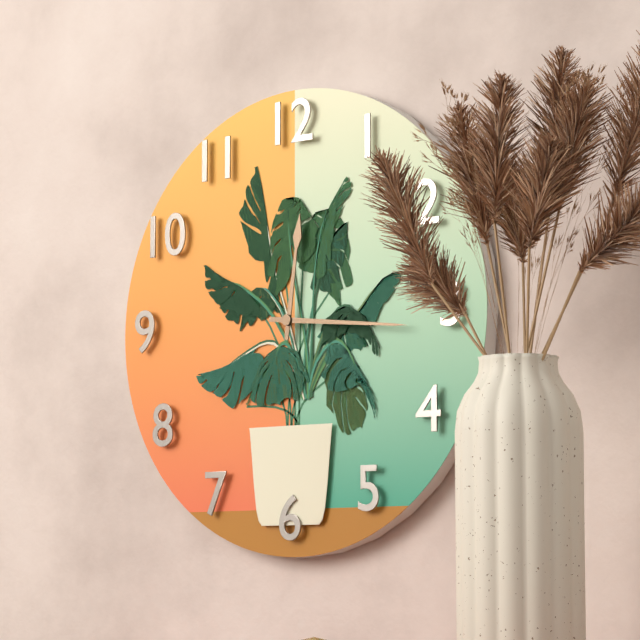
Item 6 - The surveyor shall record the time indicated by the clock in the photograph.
12:16
